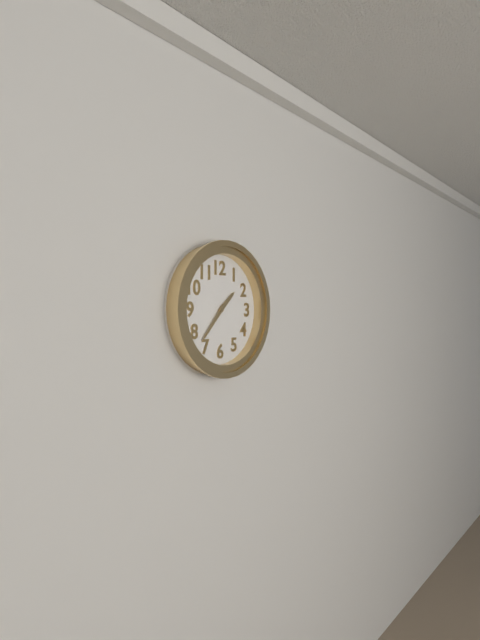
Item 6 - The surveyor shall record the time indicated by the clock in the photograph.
1:37
